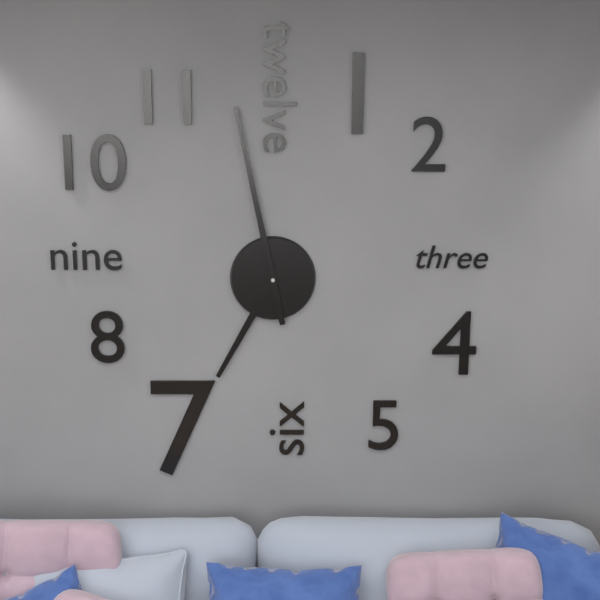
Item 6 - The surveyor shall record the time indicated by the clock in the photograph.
6:58
